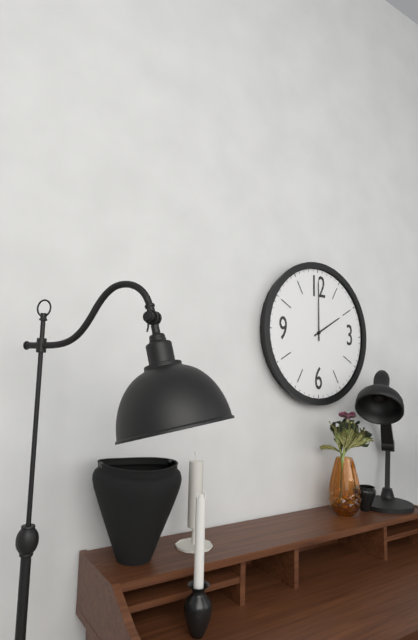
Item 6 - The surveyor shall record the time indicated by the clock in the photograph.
2:00
